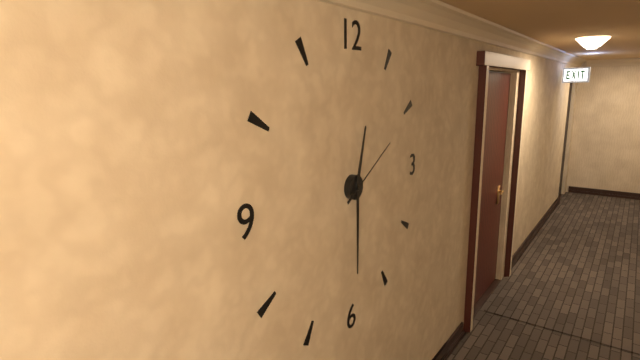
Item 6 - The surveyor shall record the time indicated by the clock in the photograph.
12:30:10
